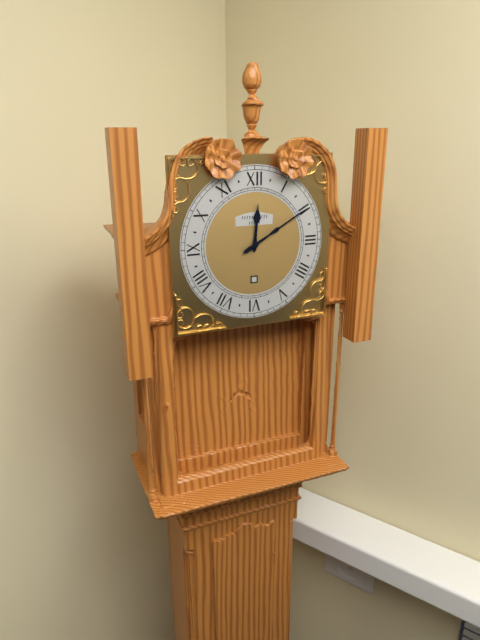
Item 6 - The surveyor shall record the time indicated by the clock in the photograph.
12:10
